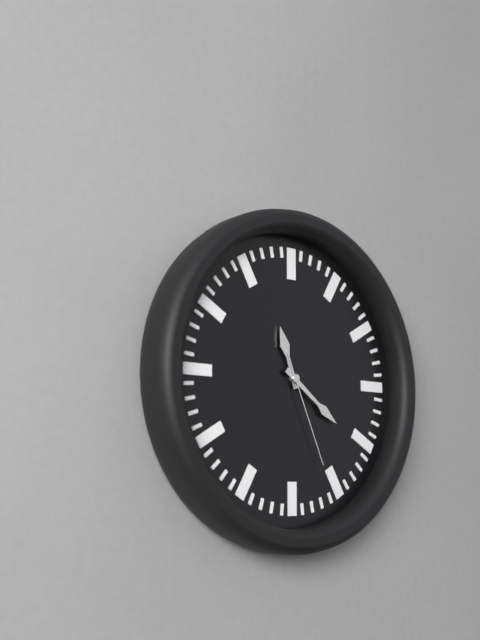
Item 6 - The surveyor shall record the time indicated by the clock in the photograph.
11:21:26
